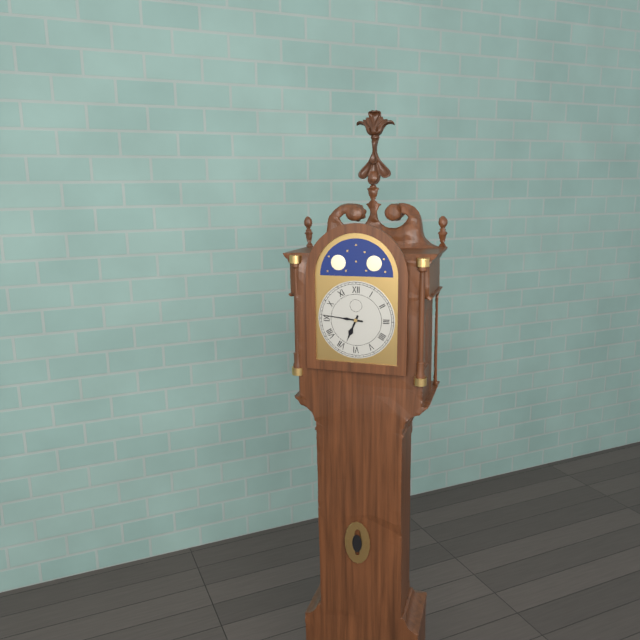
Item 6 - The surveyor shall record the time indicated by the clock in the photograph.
6:46
